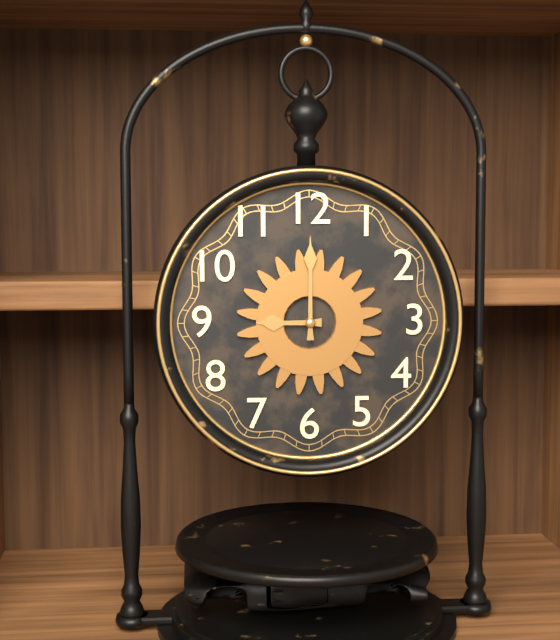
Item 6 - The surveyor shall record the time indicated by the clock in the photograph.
9:00
